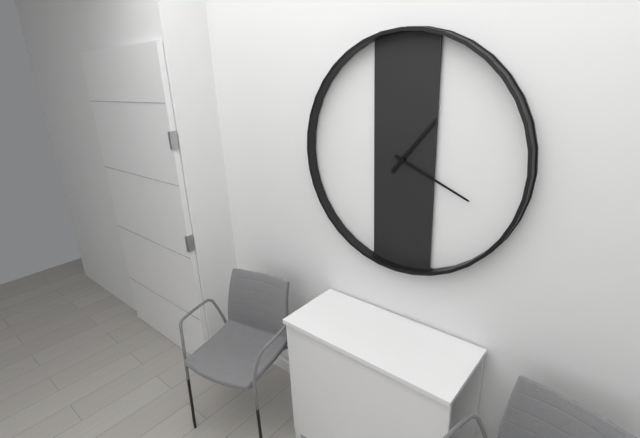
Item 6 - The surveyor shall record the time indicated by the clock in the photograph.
1:19
